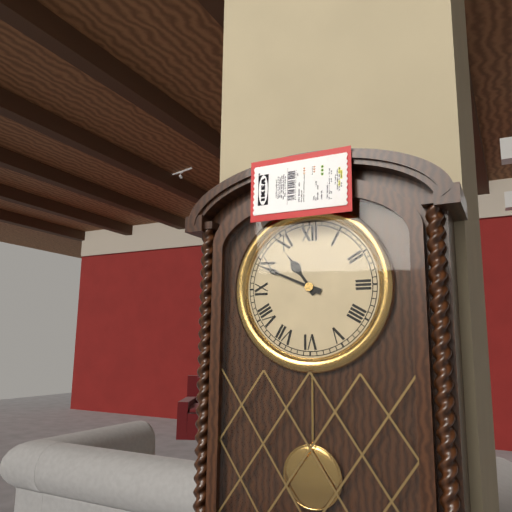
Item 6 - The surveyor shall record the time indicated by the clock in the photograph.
10:49
